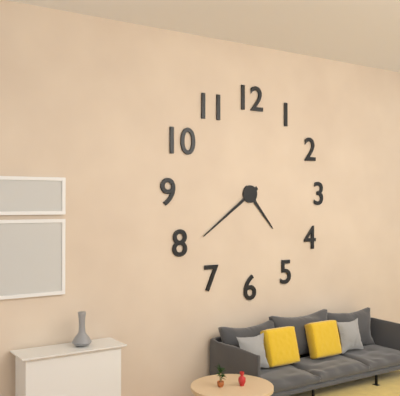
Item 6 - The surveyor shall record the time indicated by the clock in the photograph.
4:39
